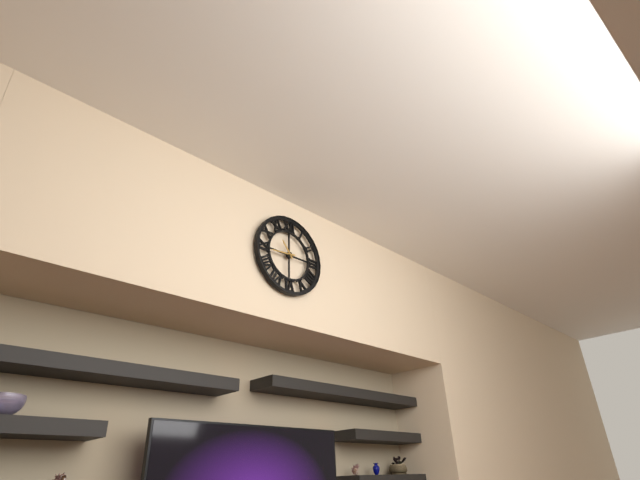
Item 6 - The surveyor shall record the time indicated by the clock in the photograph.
10:44
